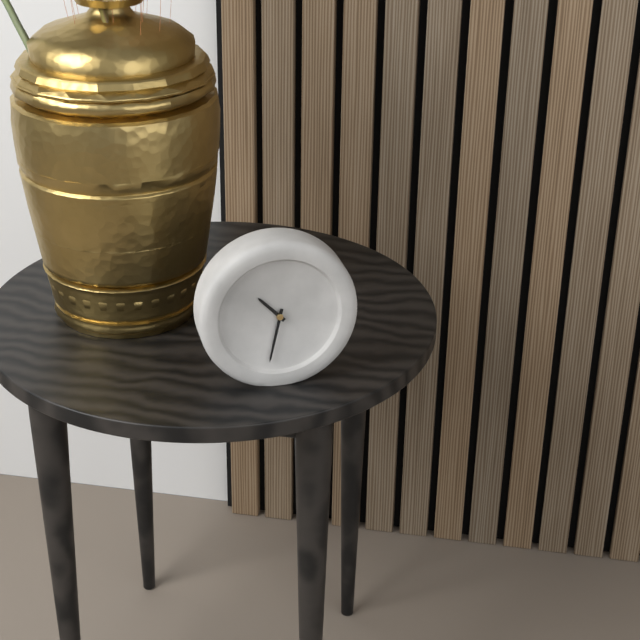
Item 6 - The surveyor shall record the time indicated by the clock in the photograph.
10:32
